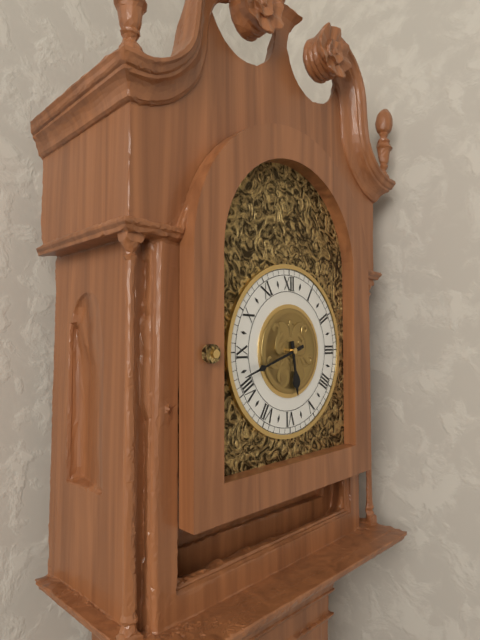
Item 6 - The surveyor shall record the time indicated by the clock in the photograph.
5:42
